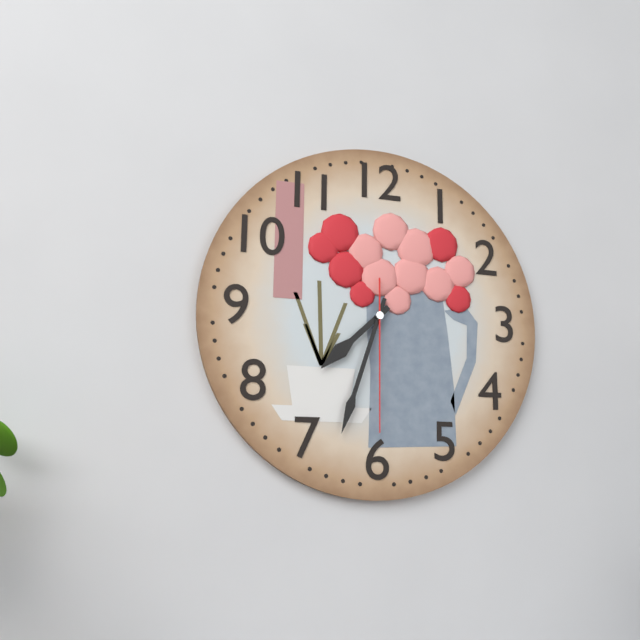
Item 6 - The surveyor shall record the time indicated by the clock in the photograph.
7:33:30
